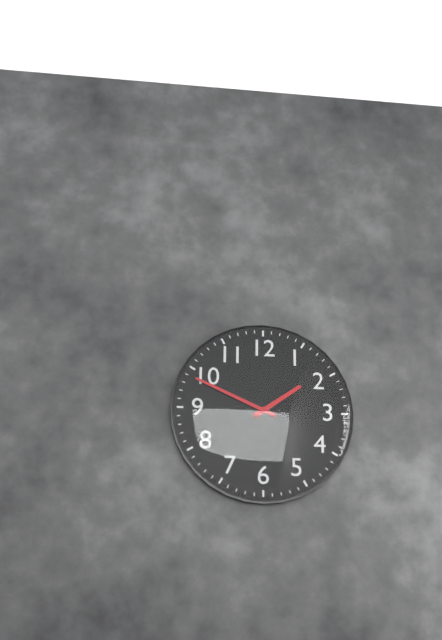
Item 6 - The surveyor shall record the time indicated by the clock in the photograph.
1:49
